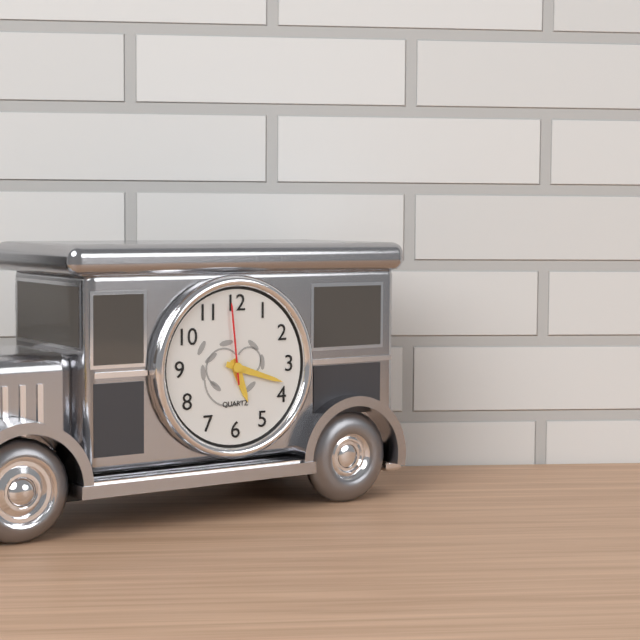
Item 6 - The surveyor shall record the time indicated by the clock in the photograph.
5:18:59
